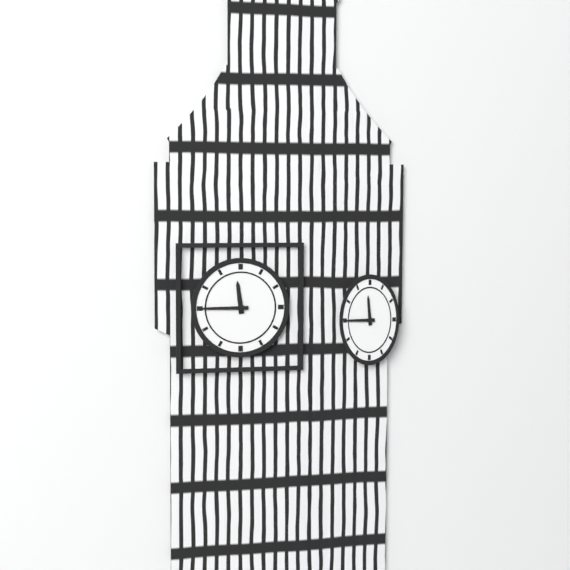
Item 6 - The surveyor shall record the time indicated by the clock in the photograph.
11:45
